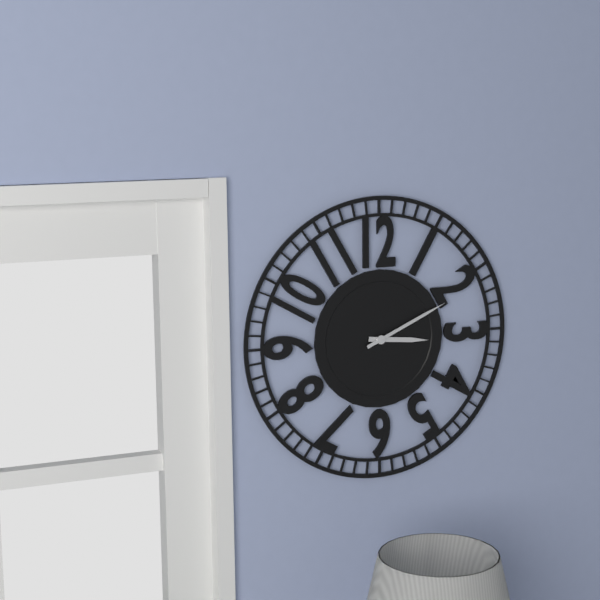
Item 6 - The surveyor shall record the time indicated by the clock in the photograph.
3:11
